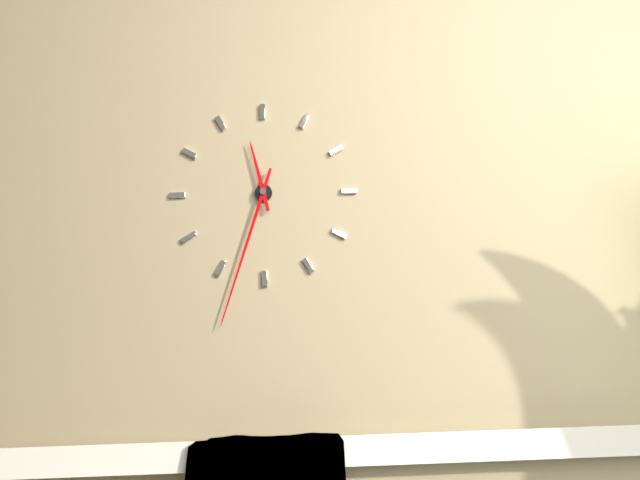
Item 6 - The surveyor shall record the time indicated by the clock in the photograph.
11:33
